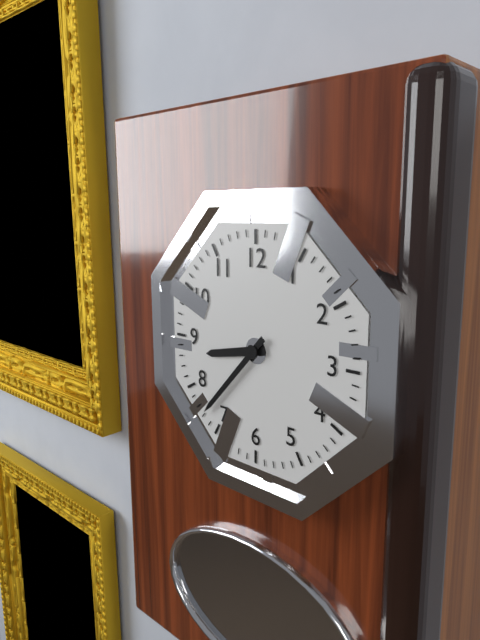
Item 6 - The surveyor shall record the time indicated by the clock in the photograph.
8:37
